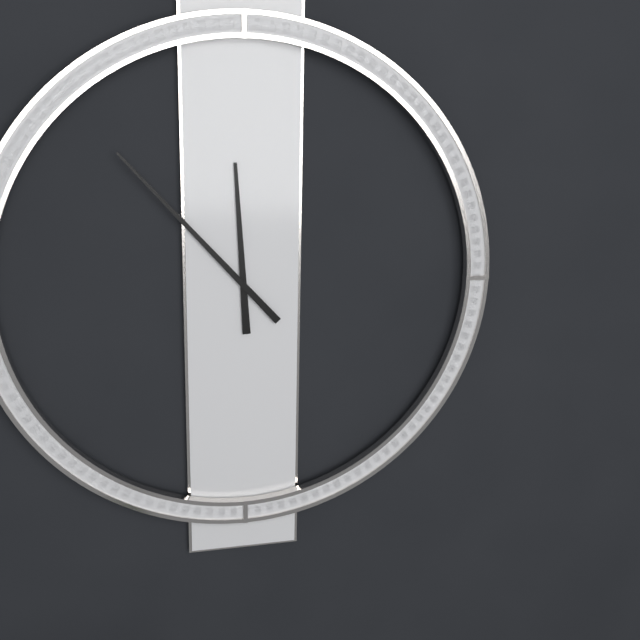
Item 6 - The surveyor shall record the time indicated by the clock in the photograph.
11:53
